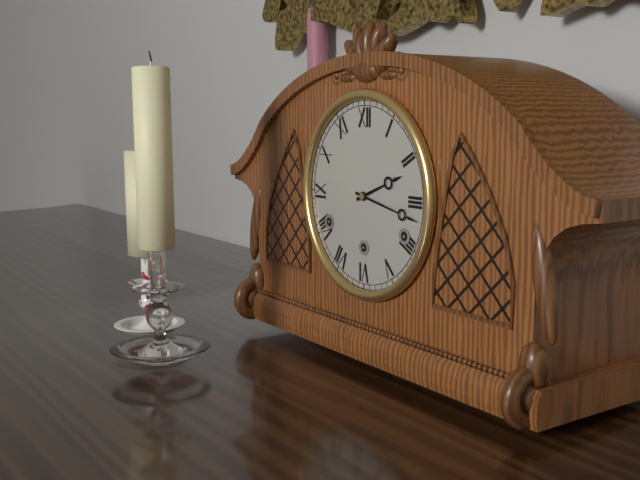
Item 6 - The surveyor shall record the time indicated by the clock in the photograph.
2:17
